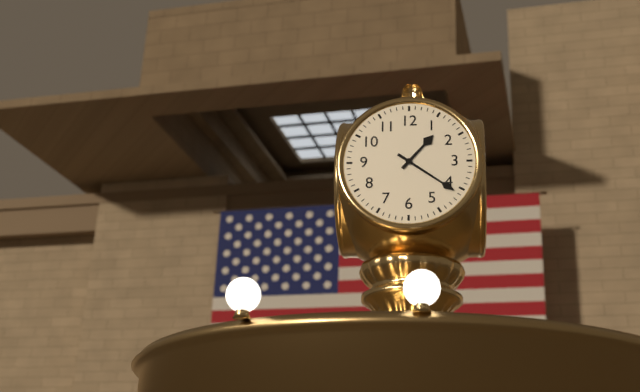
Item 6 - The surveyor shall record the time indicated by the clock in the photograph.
1:21
